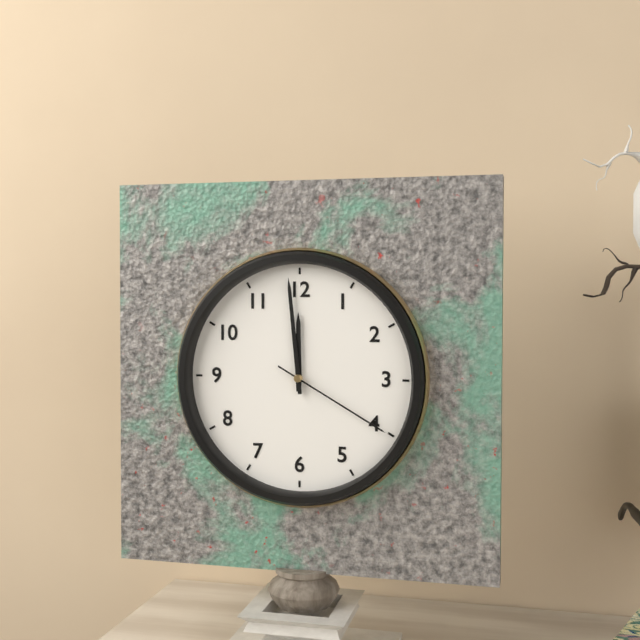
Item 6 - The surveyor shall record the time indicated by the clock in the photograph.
11:59:20
